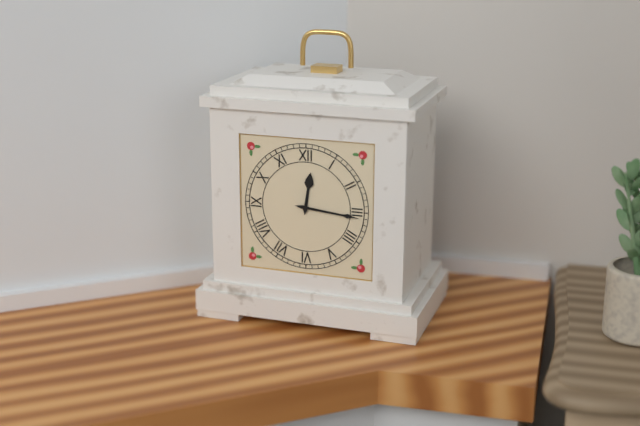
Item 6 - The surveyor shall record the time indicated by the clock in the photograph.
12:16
